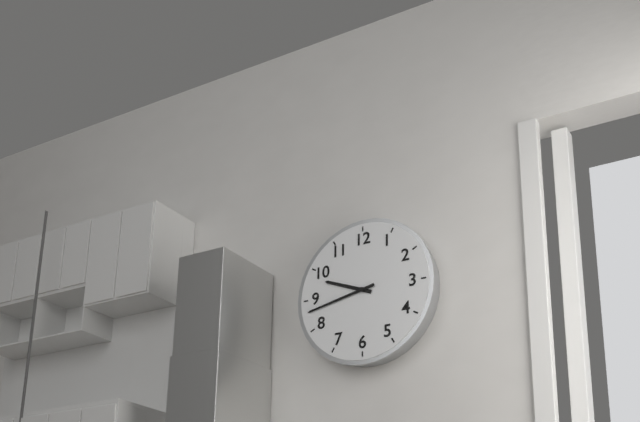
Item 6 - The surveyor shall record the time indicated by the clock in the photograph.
9:43
